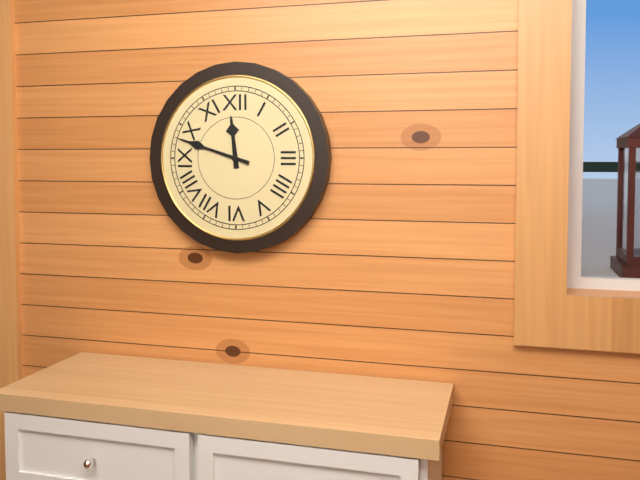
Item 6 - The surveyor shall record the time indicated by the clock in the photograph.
11:48
